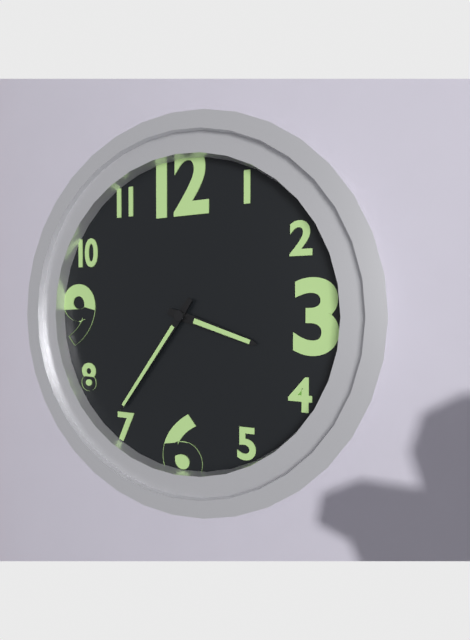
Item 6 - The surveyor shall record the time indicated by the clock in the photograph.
3:36
